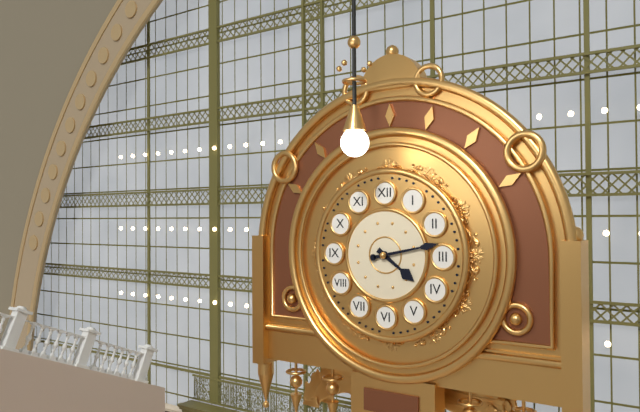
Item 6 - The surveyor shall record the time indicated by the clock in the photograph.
4:13
